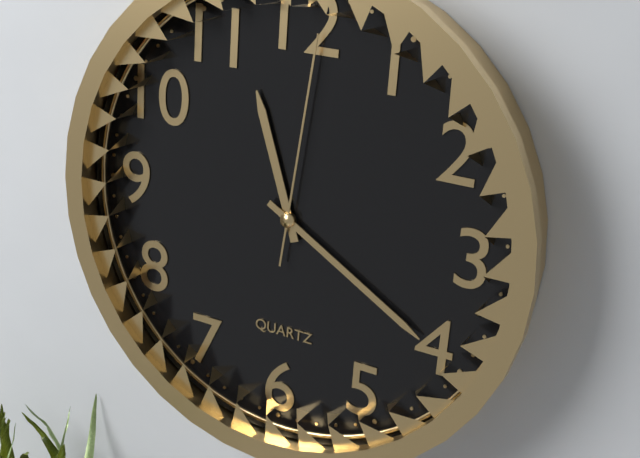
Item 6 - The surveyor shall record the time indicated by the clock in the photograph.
11:20:01
